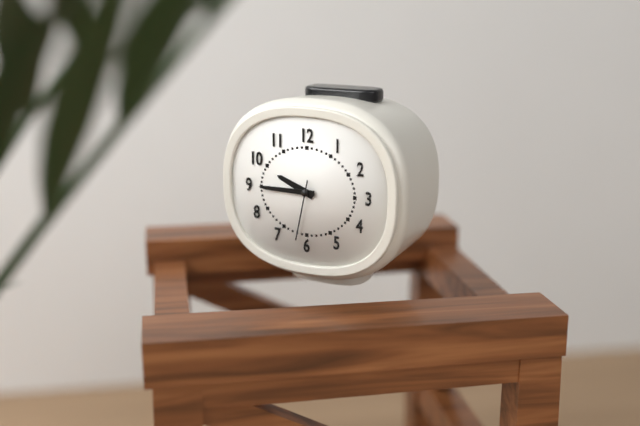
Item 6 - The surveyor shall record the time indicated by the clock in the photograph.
9:45:32
